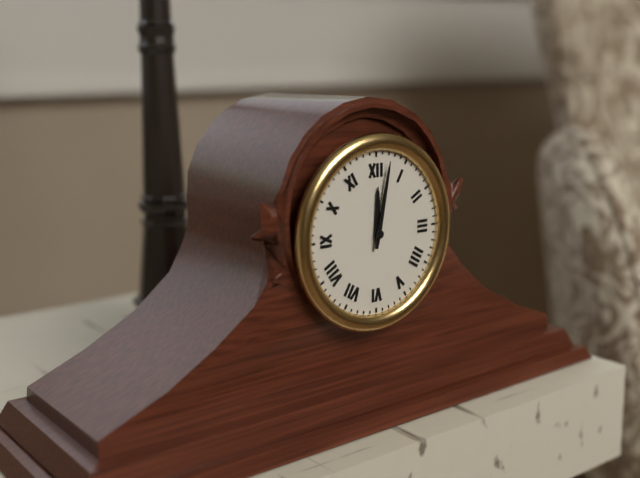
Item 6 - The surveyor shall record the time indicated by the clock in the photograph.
12:02
